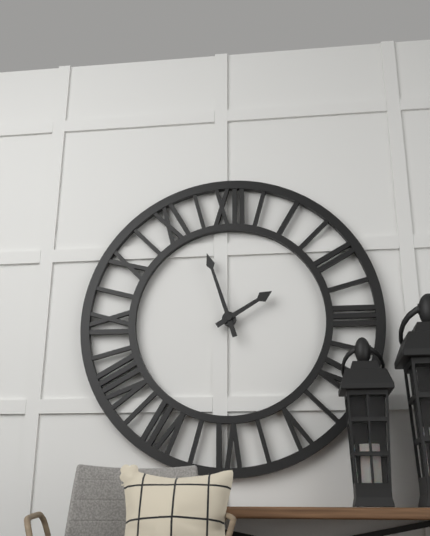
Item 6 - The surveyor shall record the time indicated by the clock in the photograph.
1:57
